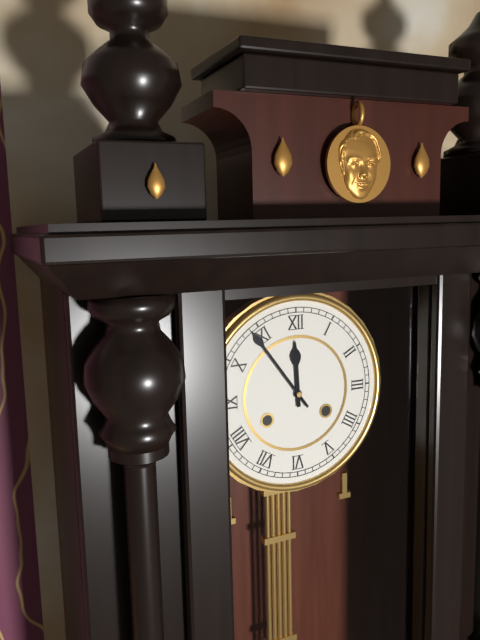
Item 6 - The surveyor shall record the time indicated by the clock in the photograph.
11:54
